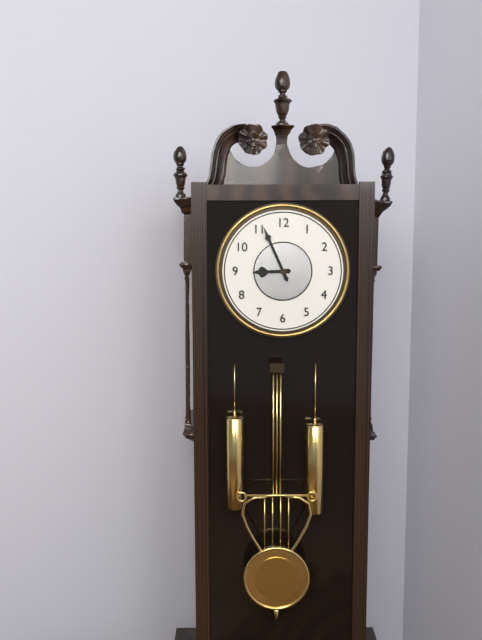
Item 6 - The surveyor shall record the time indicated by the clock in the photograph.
8:56
